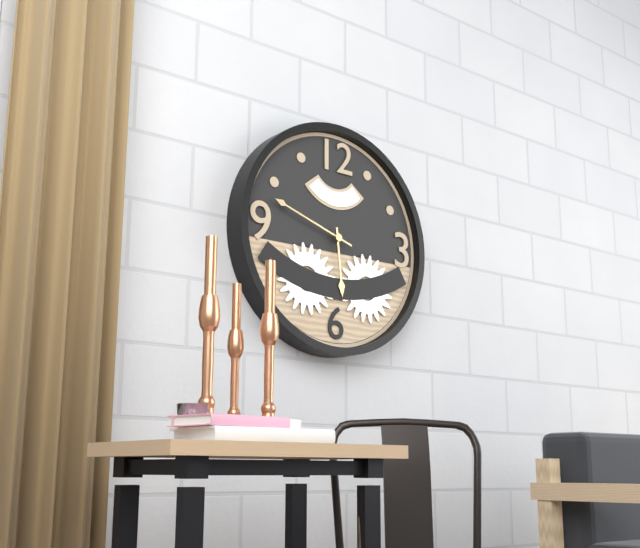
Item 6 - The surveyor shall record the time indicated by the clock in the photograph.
5:48
